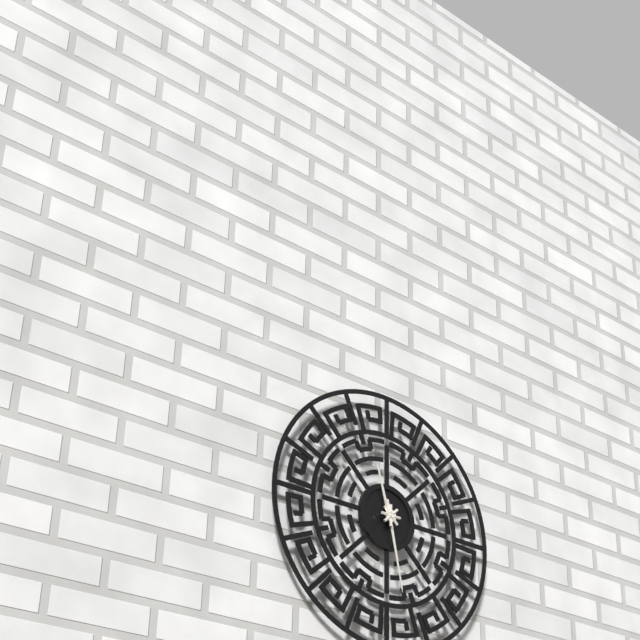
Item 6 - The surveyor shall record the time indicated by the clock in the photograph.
11:28
